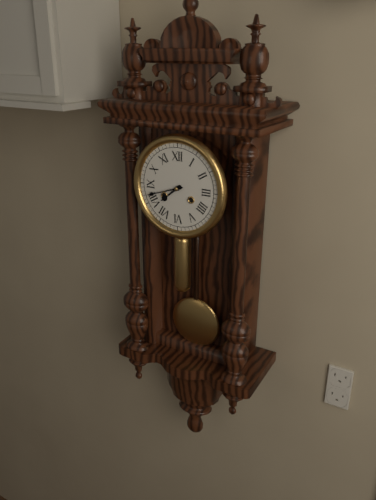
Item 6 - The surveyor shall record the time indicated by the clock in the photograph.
7:42
